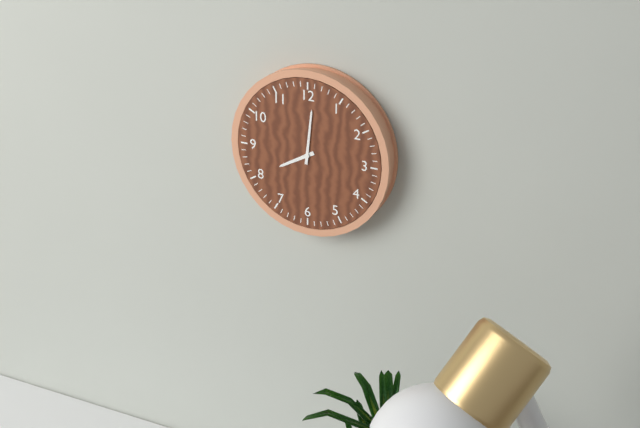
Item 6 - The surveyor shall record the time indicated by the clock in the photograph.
8:01
